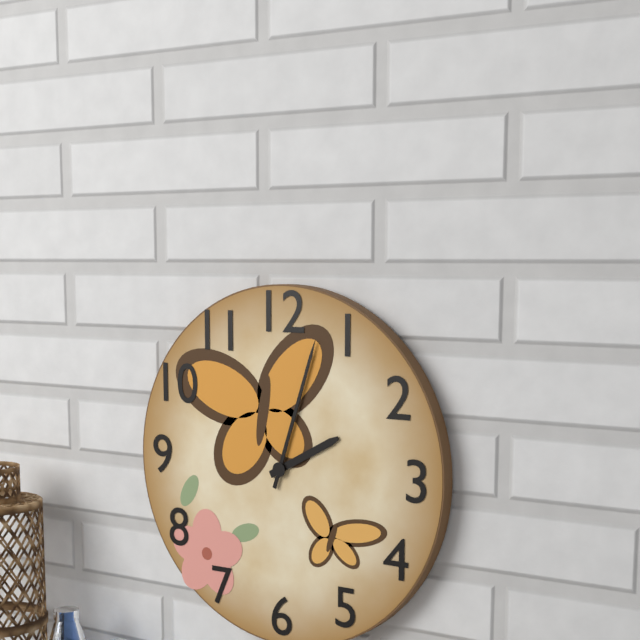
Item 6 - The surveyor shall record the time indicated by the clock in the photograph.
2:03
